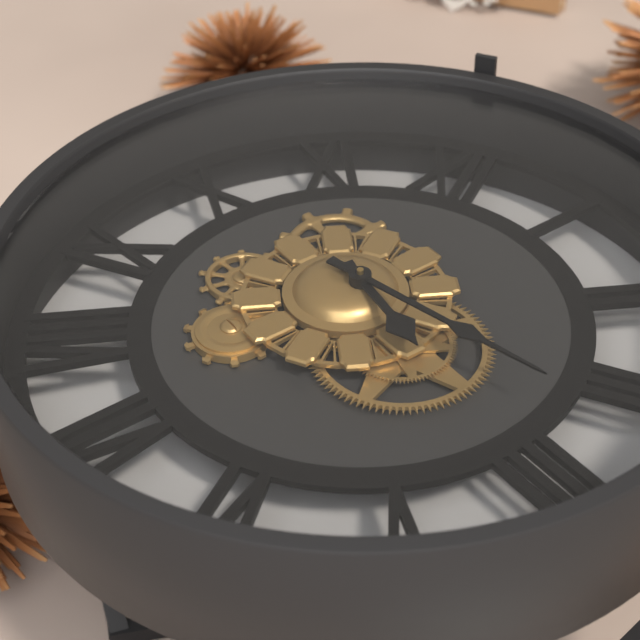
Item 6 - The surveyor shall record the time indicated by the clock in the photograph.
4:18
